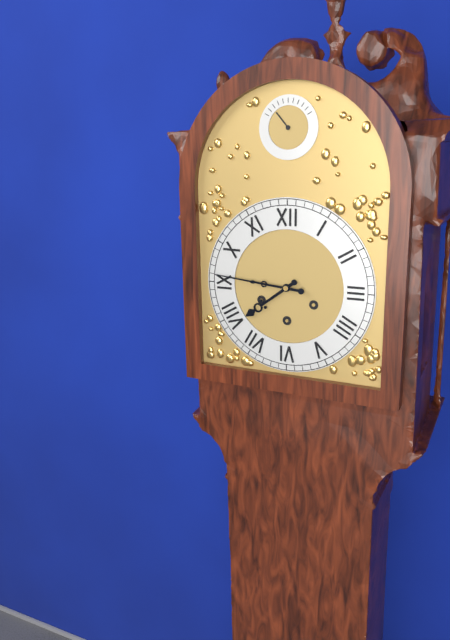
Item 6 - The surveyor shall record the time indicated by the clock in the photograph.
7:46
